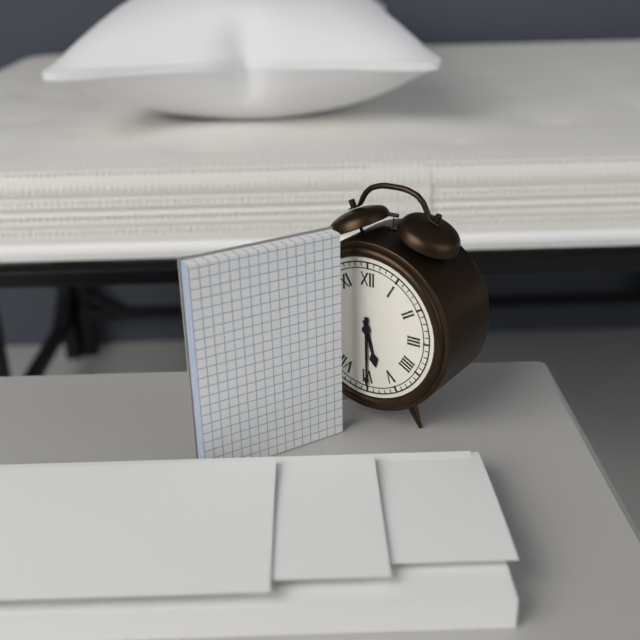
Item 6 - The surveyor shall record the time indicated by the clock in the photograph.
5:30
